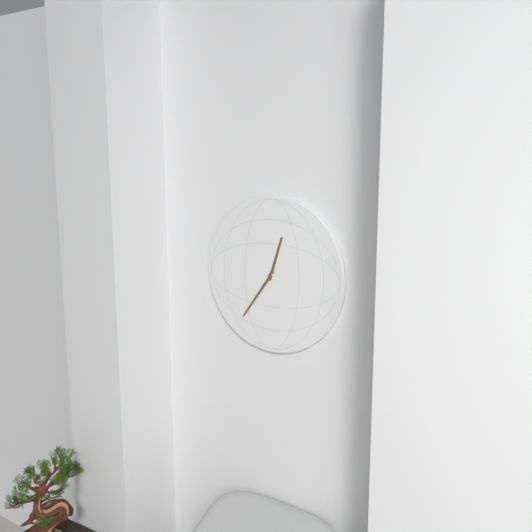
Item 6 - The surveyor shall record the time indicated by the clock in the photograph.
12:36
